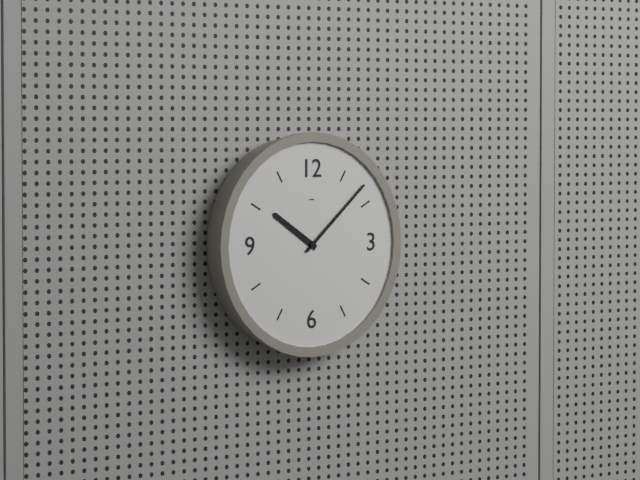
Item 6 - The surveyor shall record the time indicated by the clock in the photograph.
10:08
